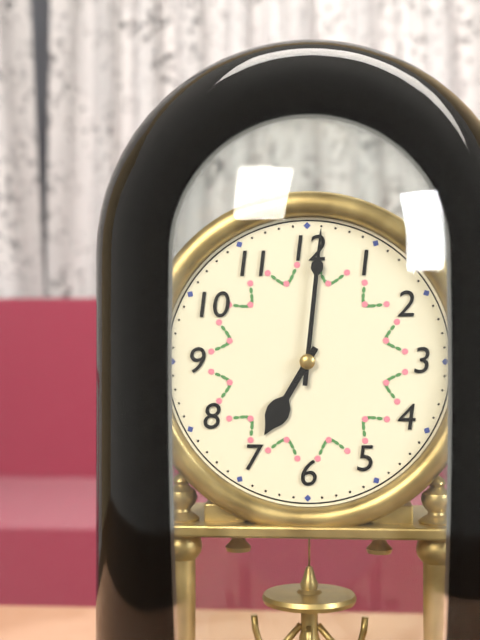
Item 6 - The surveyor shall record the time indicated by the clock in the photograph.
7:01
